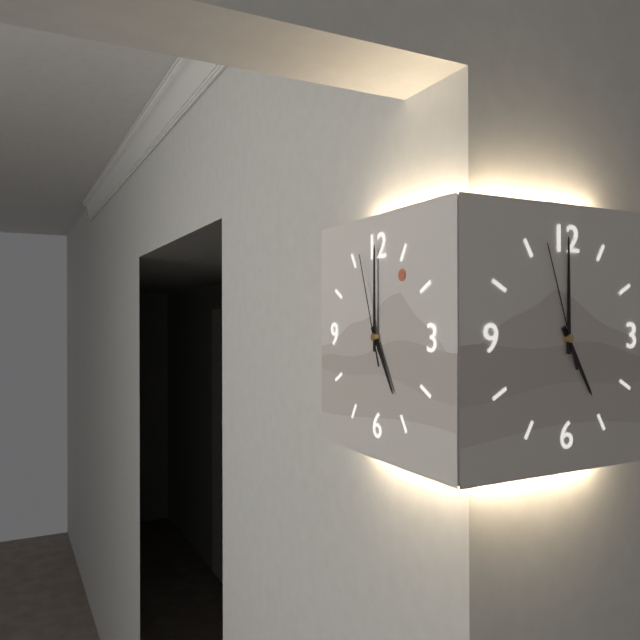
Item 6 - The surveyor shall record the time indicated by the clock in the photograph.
5:00:57
